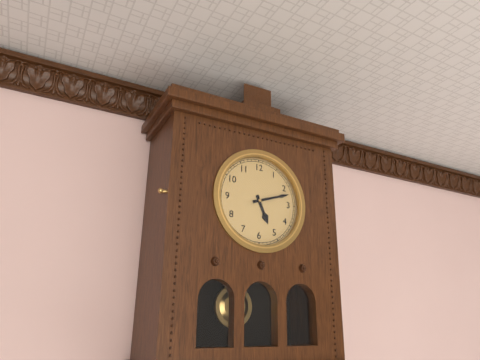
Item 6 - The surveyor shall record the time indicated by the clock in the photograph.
5:12
